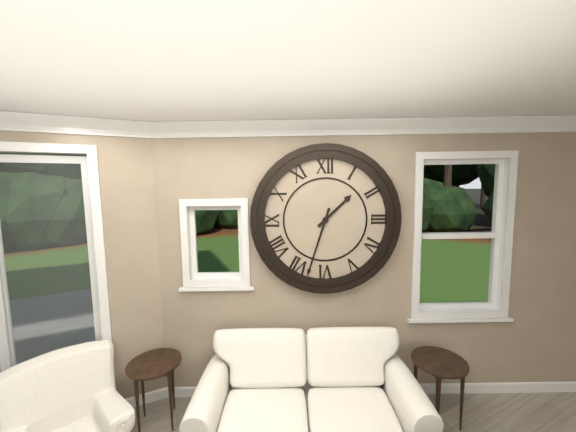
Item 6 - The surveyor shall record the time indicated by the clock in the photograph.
1:33
